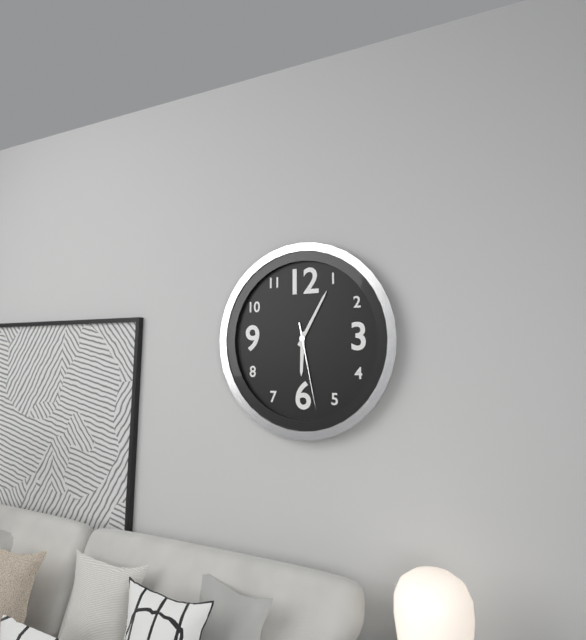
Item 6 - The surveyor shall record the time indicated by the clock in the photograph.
6:05:28
